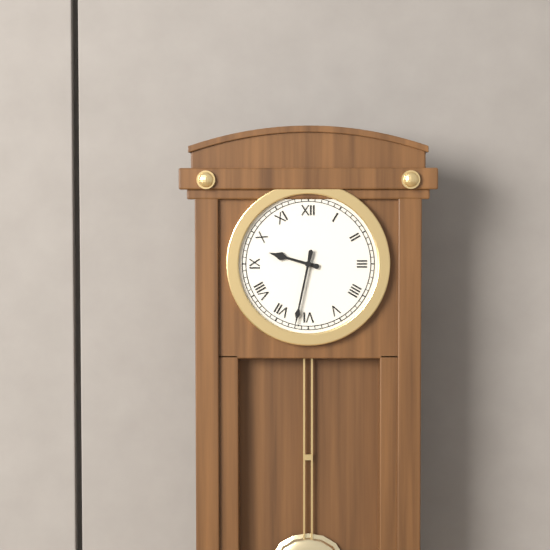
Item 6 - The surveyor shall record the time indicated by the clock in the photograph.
9:32
